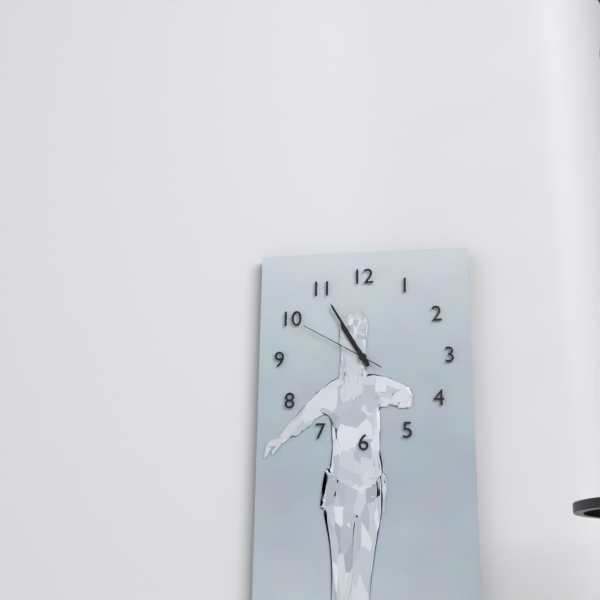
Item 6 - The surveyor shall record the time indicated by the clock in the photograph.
10:55:50
